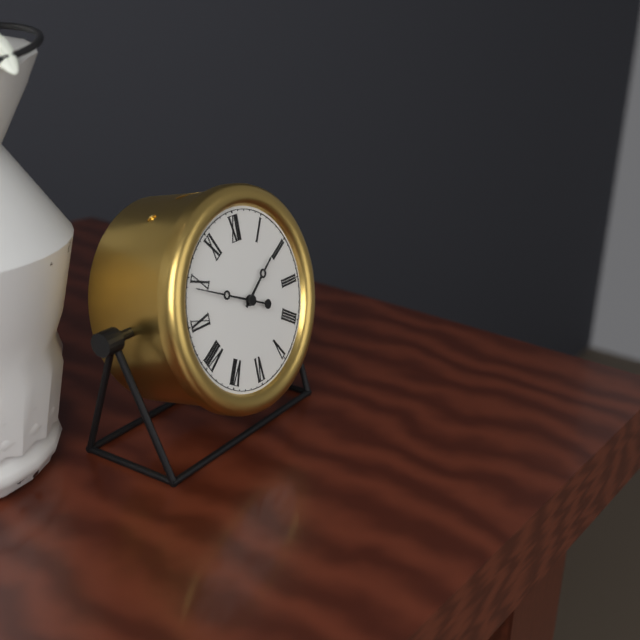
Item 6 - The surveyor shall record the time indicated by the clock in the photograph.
1:49
